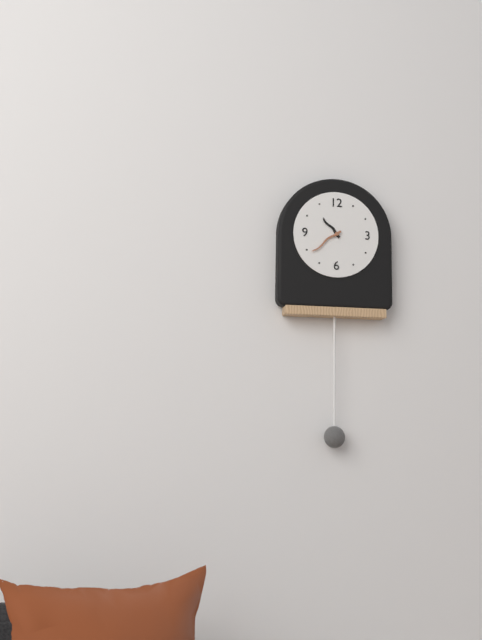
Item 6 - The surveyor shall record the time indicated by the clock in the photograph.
10:39
